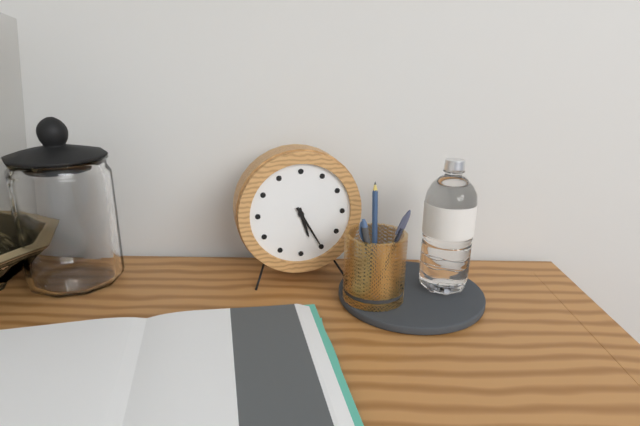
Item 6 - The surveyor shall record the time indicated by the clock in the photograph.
5:25
